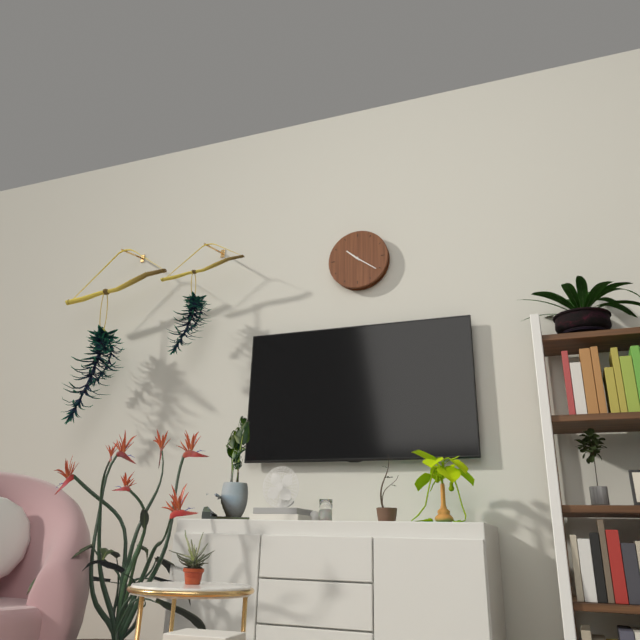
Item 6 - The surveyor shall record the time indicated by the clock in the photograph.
10:21
